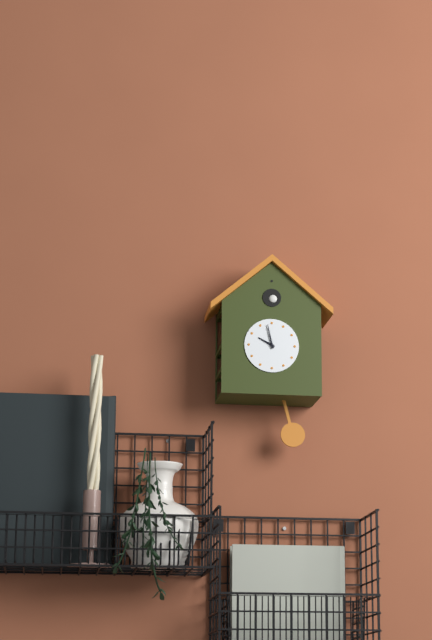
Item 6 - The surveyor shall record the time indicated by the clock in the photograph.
9:58
